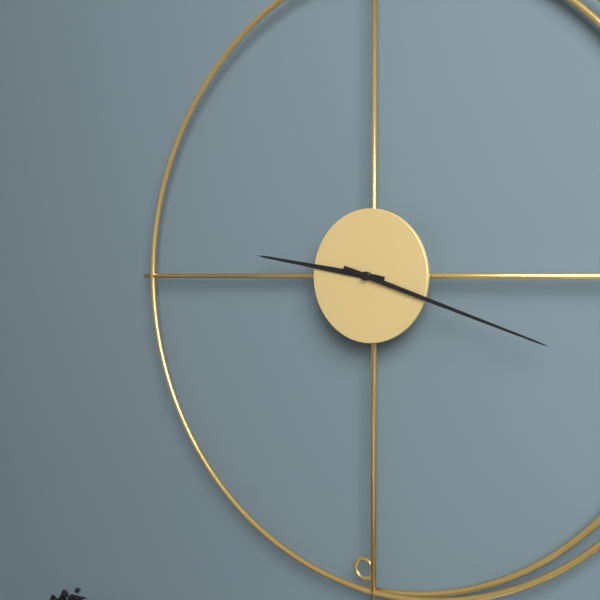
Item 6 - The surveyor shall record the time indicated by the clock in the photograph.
9:18
